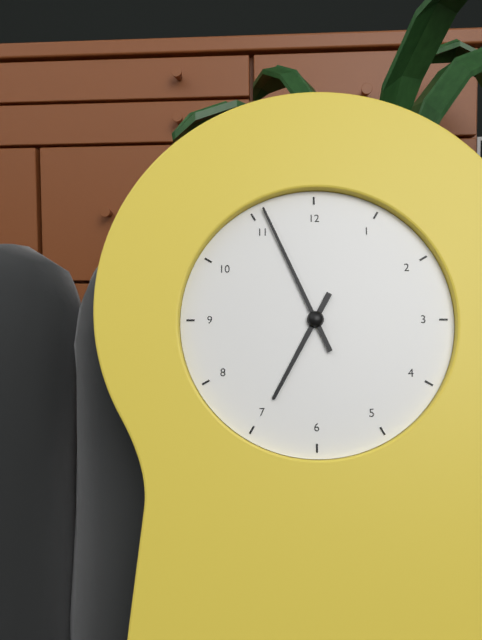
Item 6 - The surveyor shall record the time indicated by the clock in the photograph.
6:56
